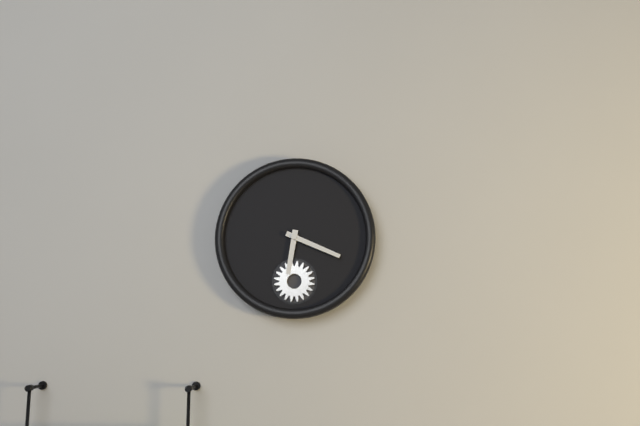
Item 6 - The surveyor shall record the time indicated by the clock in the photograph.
6:19
